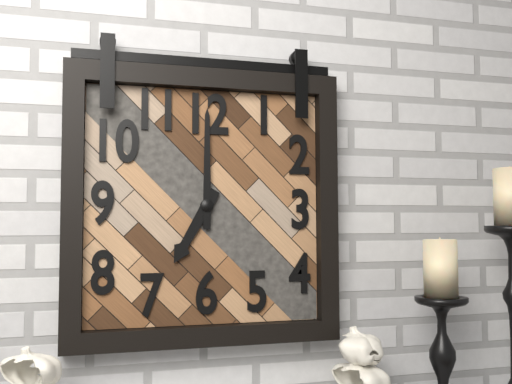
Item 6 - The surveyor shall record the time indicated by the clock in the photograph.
7:00
